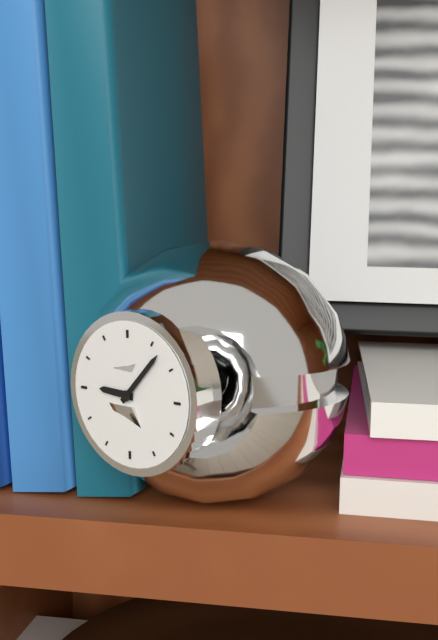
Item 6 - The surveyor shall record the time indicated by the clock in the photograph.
9:07
